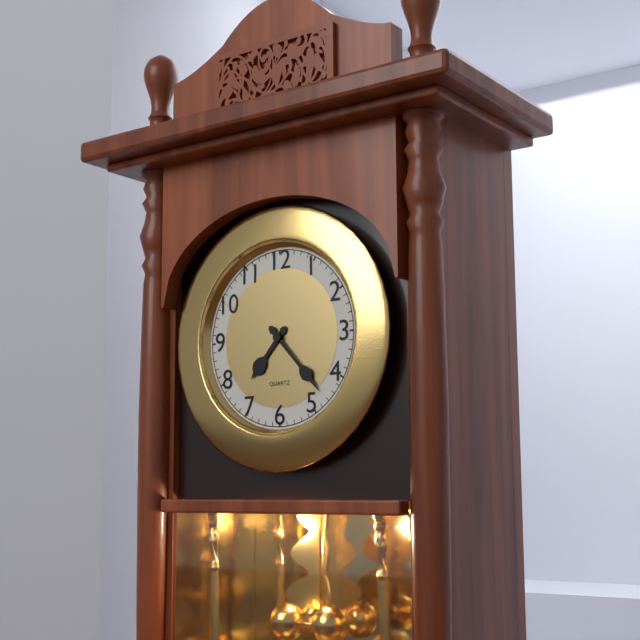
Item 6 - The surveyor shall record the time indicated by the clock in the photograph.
7:23
